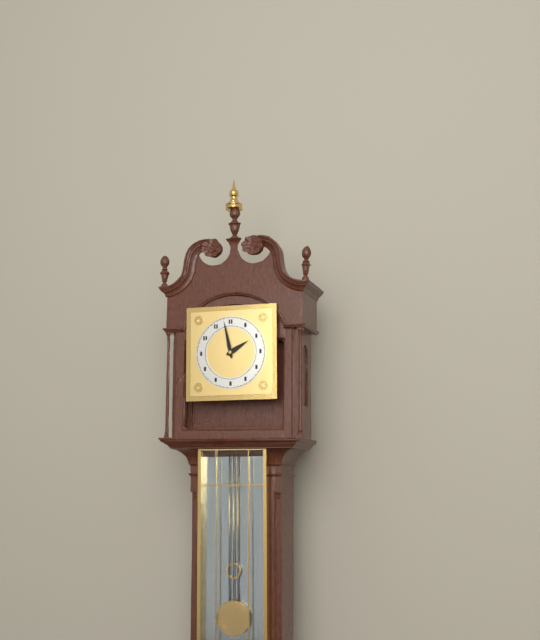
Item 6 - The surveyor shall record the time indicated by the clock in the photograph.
1:58
